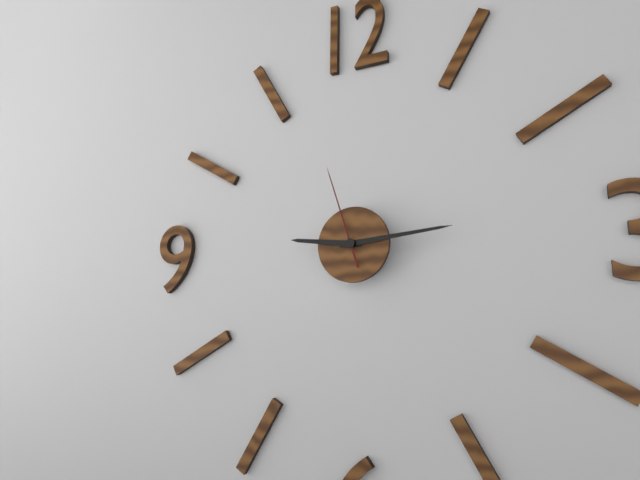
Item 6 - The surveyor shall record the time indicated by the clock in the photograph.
9:14:57
